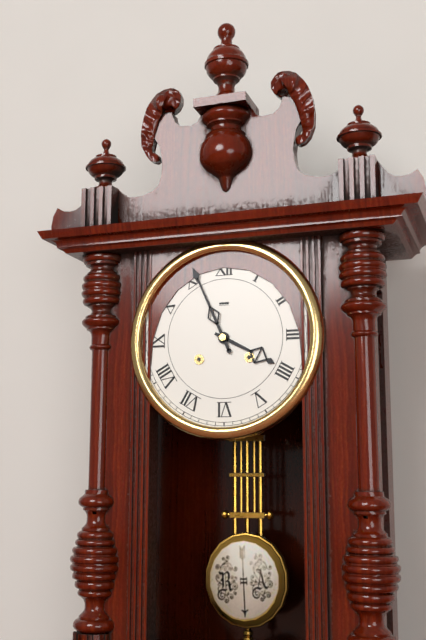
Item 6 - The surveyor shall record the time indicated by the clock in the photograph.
3:56
